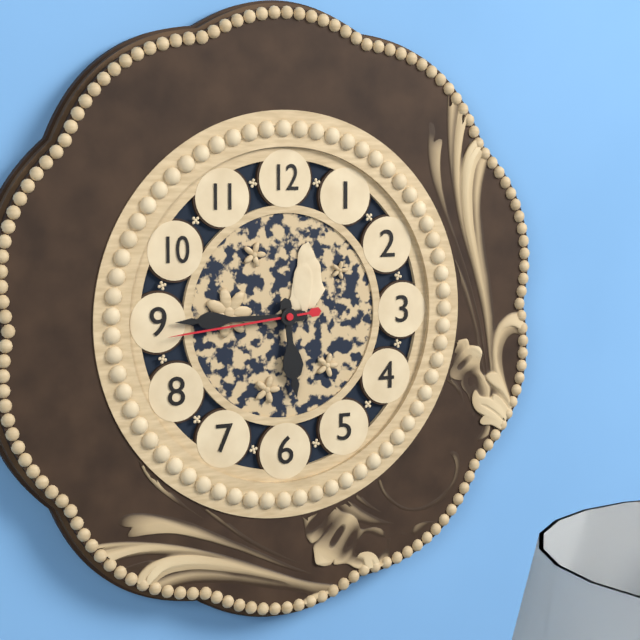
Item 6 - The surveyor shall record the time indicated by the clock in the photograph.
5:45:44
